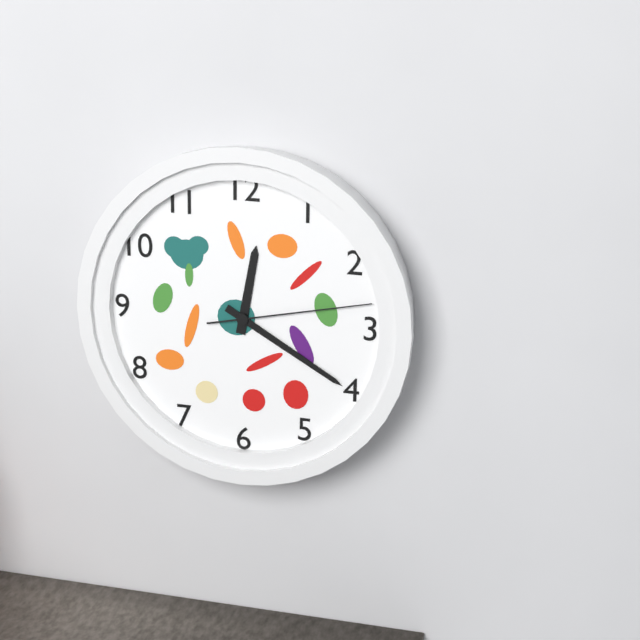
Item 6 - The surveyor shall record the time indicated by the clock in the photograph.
12:20:13
